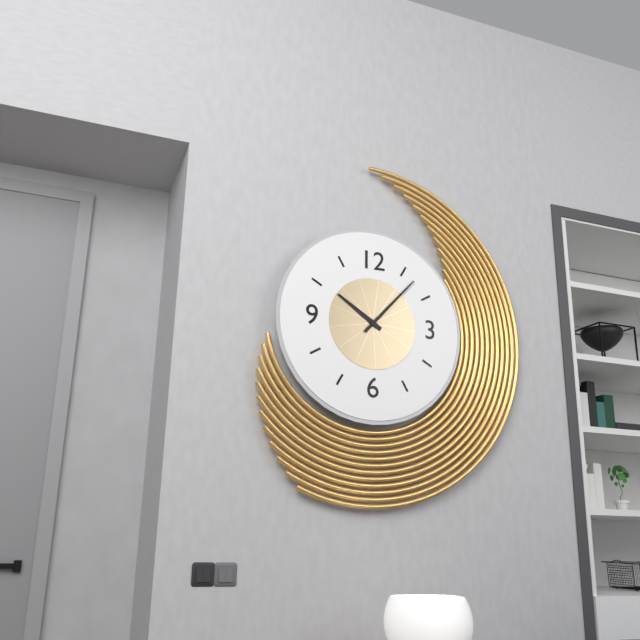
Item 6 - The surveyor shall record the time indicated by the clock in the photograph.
10:07
